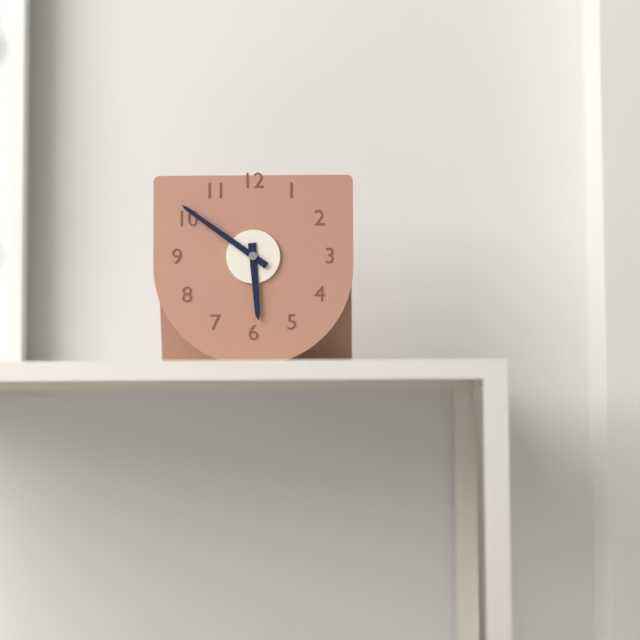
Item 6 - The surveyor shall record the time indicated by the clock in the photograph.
5:51
